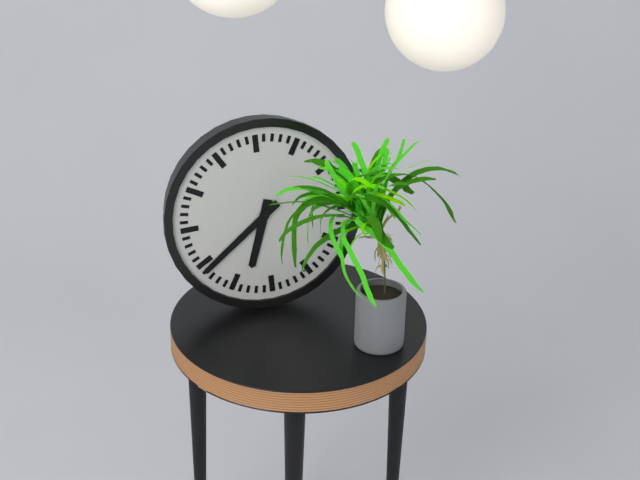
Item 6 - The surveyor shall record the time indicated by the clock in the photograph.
6:39
